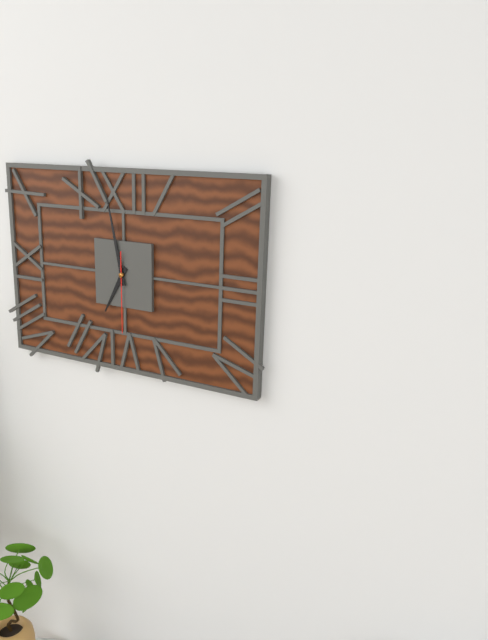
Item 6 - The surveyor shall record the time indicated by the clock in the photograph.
6:58:30
